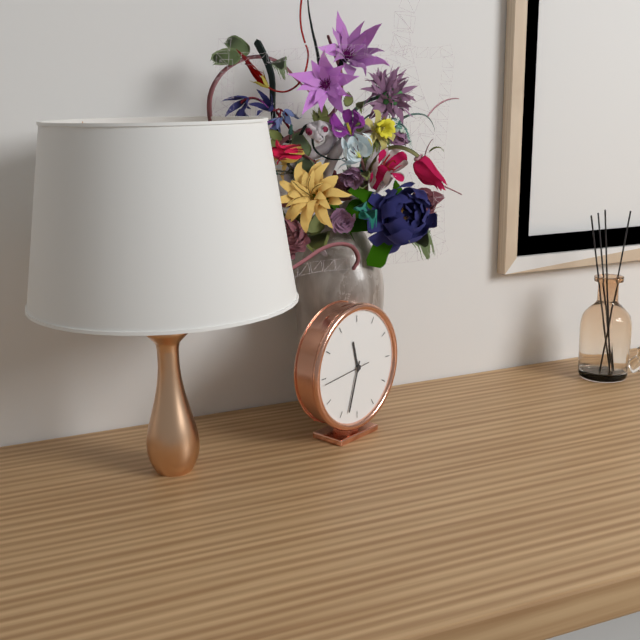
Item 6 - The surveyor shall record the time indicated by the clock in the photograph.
11:33
